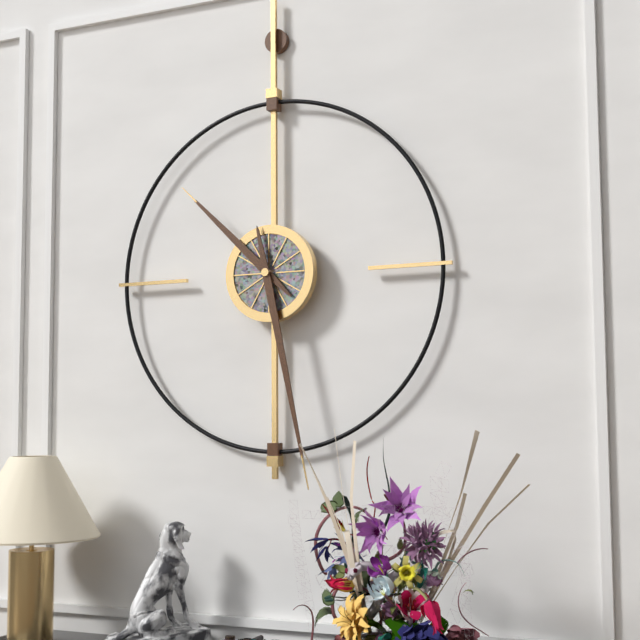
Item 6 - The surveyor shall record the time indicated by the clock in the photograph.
10:28
